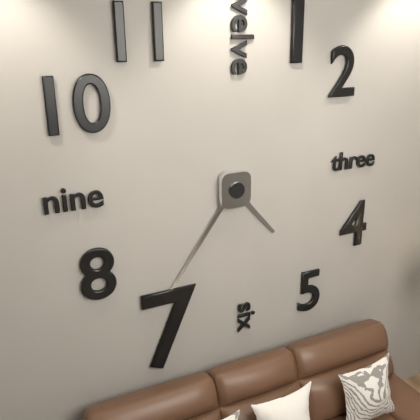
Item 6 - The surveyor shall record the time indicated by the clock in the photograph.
4:36
